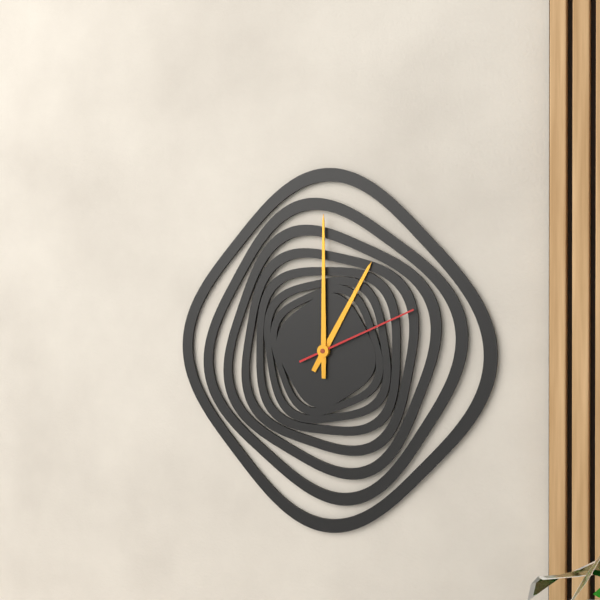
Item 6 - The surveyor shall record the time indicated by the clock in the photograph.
1:00:11
